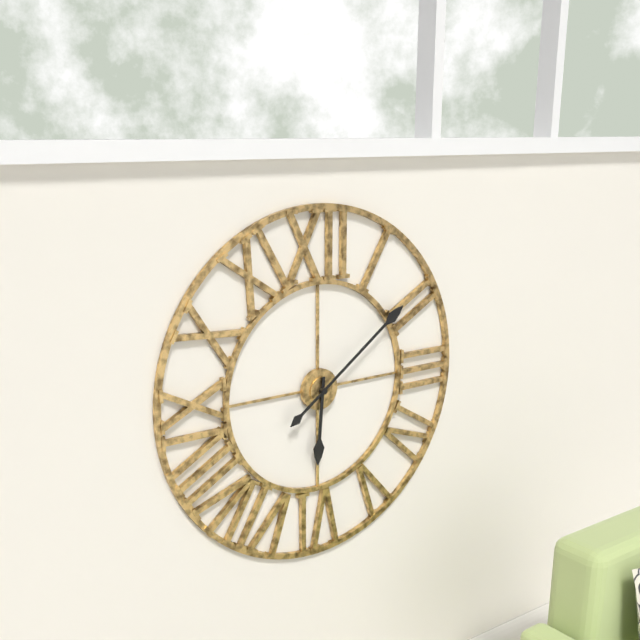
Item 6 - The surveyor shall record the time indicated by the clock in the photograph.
6:09
